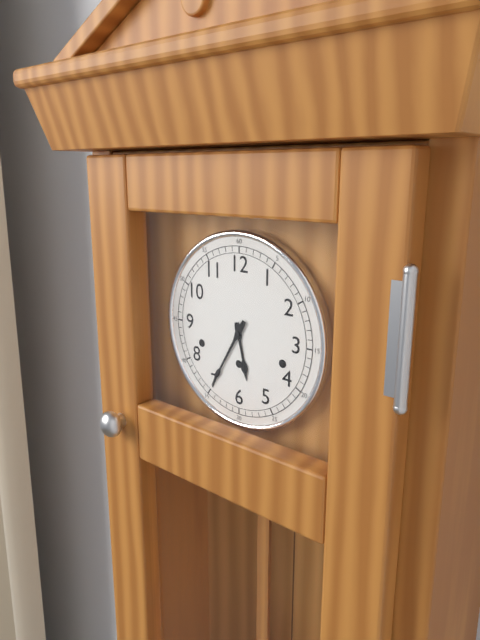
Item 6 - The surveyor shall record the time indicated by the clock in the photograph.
5:35
